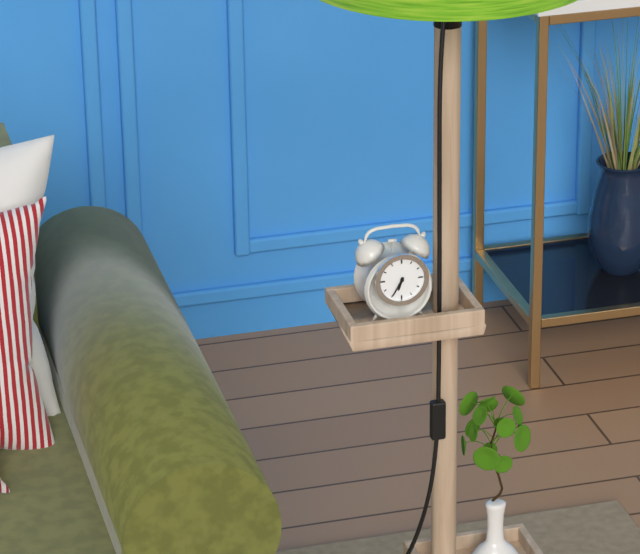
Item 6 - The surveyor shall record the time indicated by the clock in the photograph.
6:35
